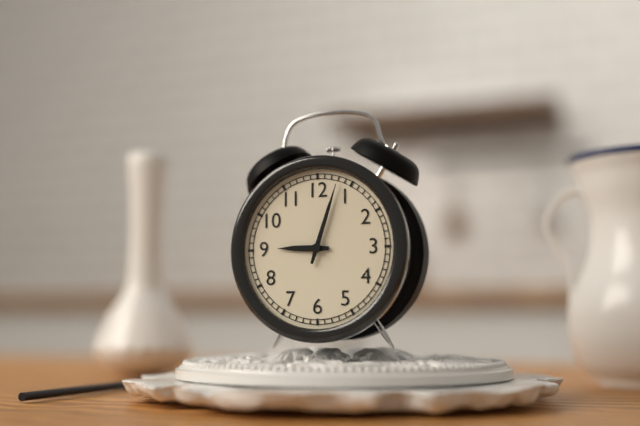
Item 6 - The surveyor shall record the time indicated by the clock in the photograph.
9:03
